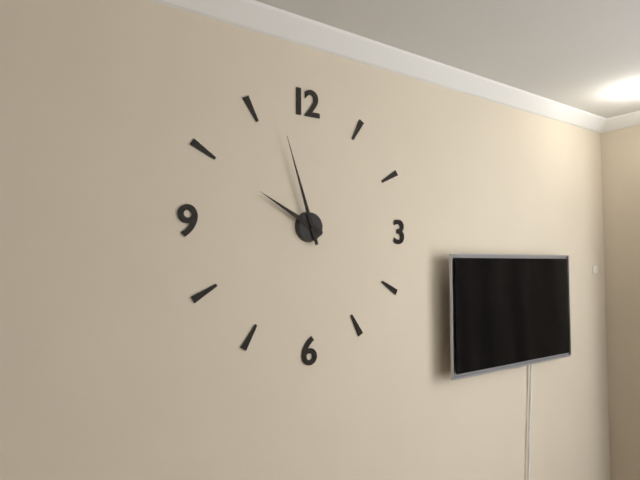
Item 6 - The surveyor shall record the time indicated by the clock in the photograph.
9:57
